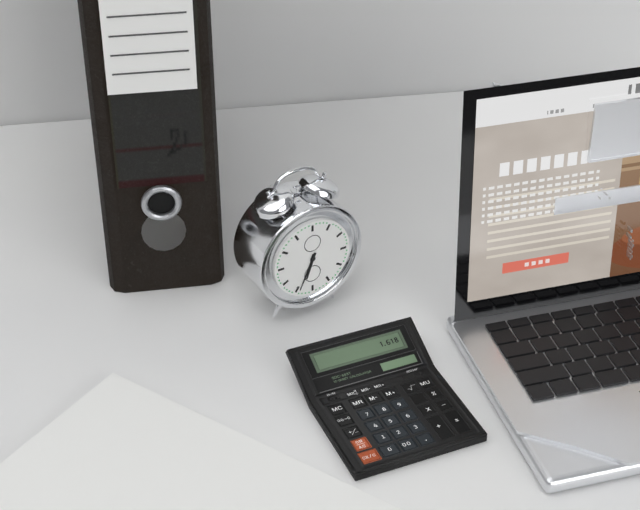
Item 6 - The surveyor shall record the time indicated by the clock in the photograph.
6:34
